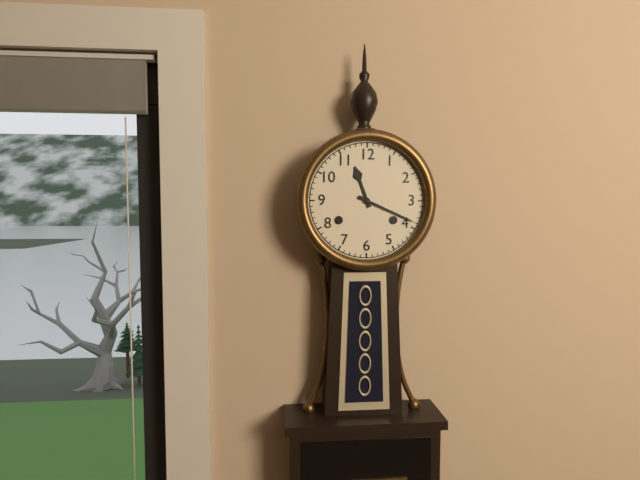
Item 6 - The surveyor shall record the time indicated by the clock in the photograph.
11:19
